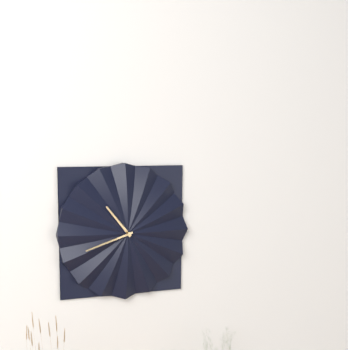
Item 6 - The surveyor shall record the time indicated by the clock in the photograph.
10:42
